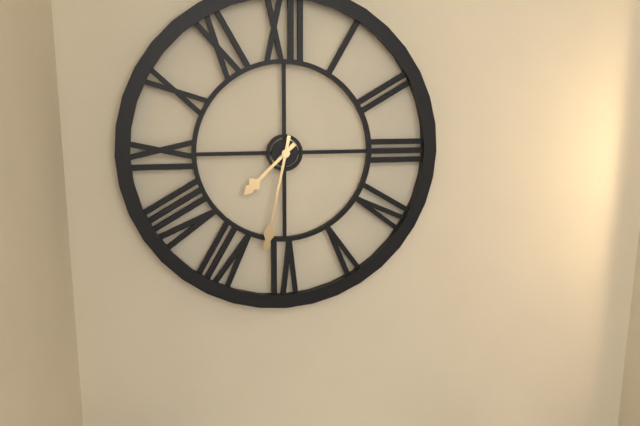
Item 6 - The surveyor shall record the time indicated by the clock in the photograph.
7:32
